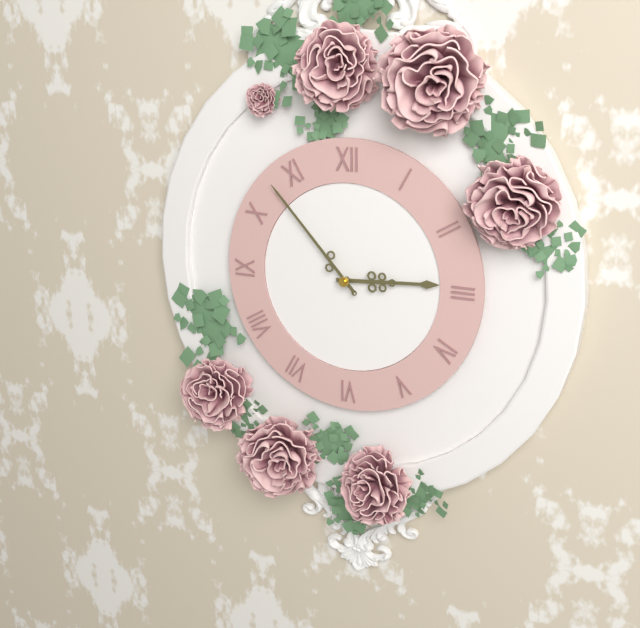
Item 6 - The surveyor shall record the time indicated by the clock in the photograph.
2:53
